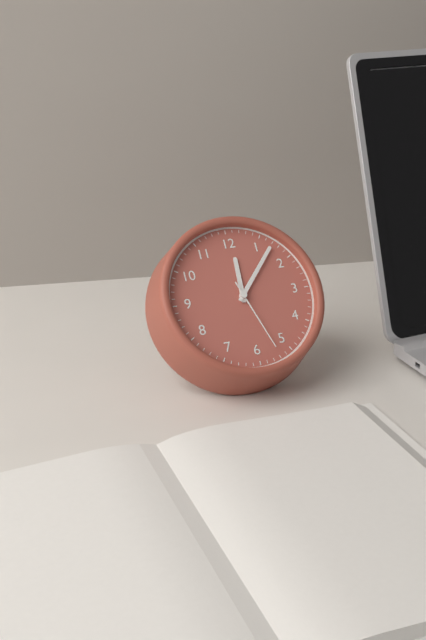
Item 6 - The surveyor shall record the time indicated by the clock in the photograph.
12:07:27
